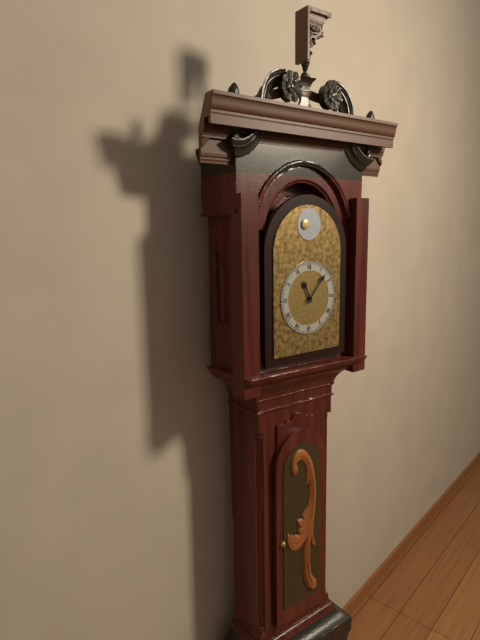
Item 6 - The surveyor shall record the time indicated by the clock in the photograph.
11:07
